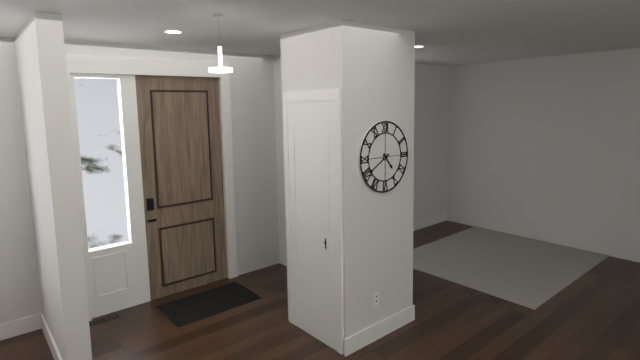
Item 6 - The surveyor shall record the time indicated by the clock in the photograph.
4:40
